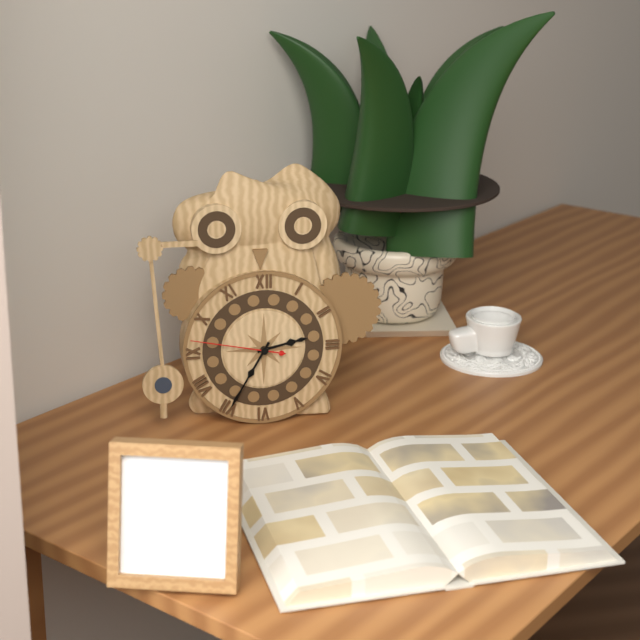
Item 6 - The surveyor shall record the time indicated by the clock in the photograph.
2:35:47
